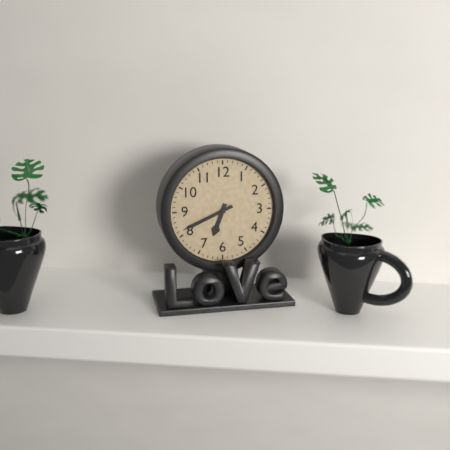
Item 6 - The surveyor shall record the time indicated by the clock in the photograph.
6:41
